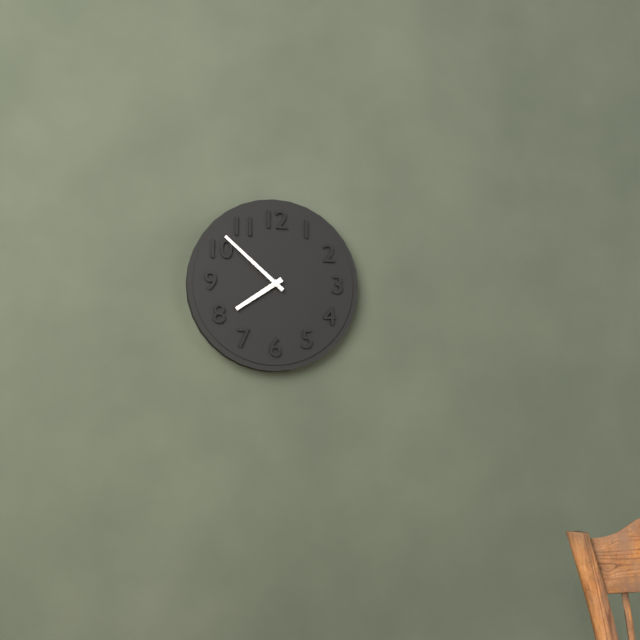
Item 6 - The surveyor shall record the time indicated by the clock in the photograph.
7:52
